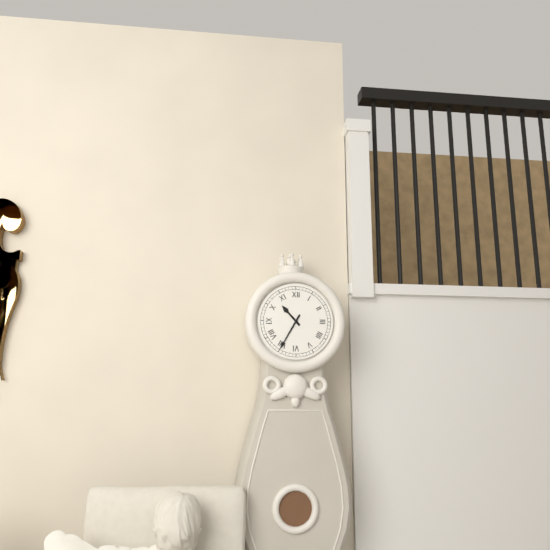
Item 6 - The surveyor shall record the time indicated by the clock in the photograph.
10:35
